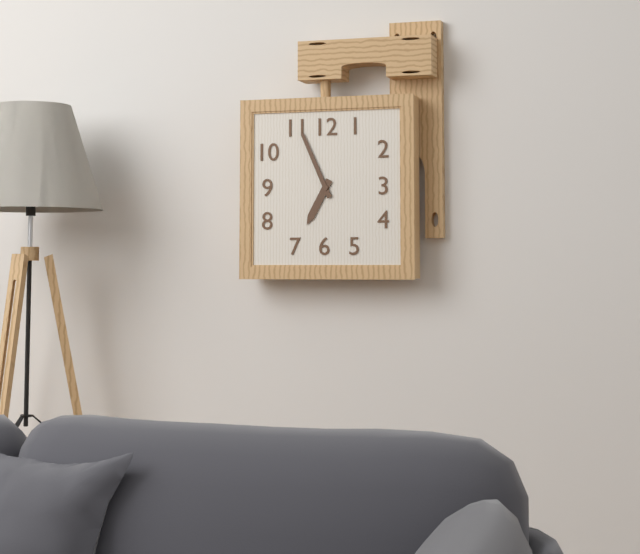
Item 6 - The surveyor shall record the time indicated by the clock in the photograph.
6:56
